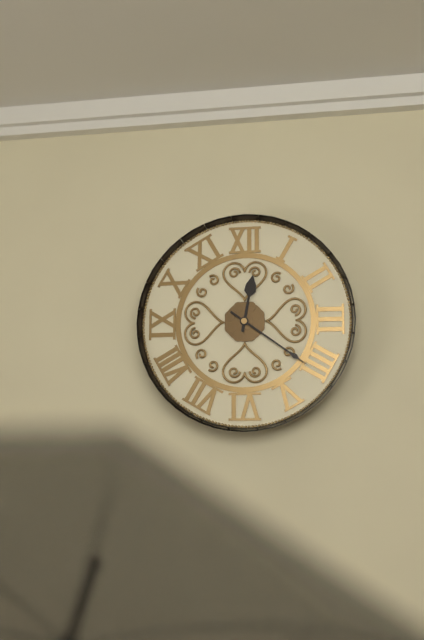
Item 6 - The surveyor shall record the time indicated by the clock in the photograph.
12:21
